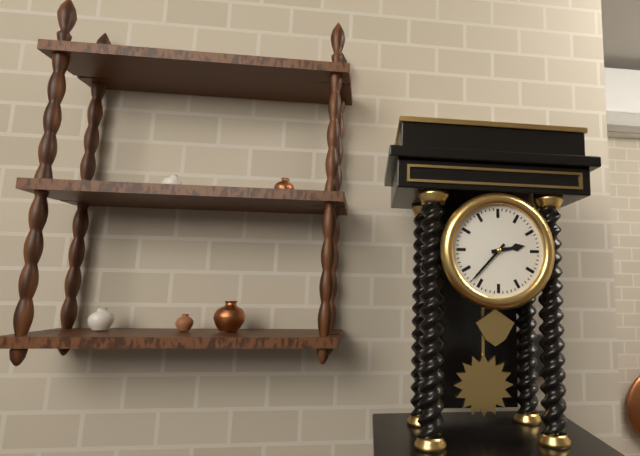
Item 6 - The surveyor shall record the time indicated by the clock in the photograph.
2:37
